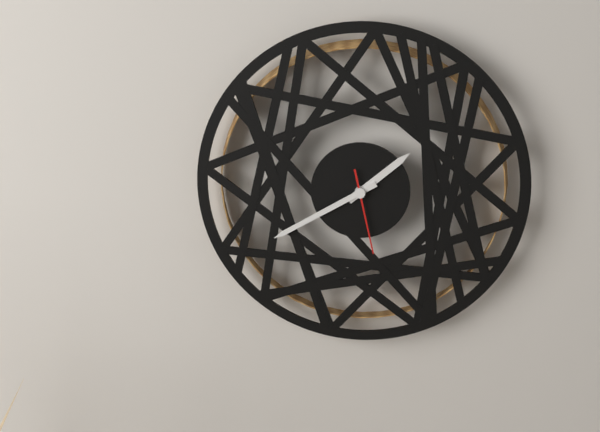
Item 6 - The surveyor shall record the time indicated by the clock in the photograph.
1:40:28
